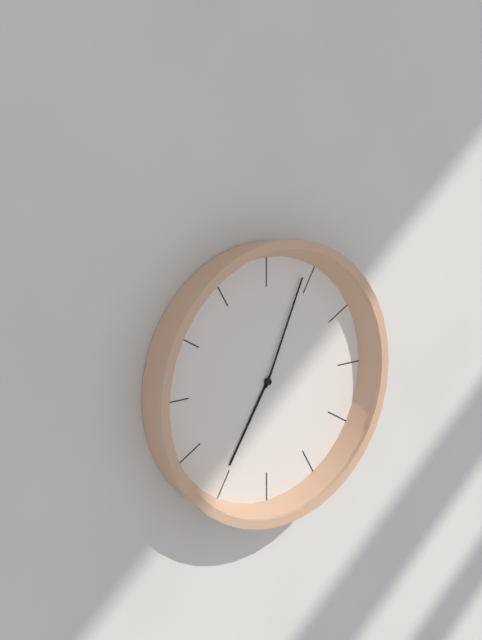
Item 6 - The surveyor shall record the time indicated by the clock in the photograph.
7:04
